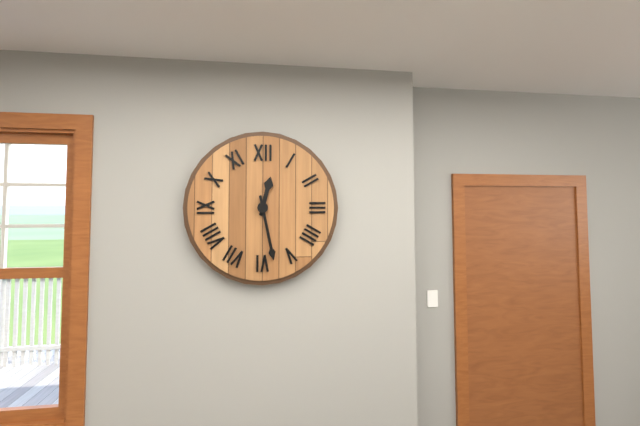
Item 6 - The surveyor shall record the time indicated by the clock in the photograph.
12:28
